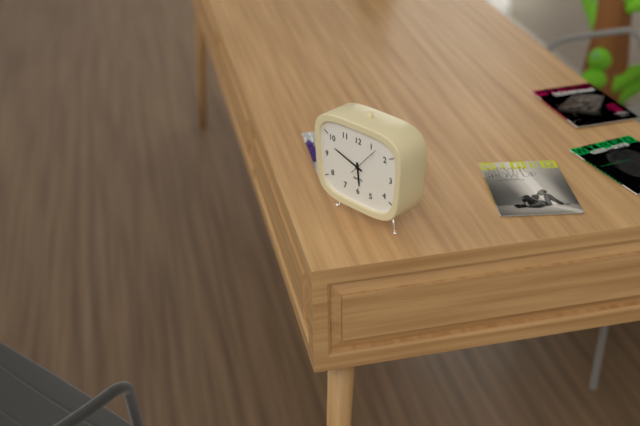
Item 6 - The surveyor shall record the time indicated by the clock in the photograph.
5:48
